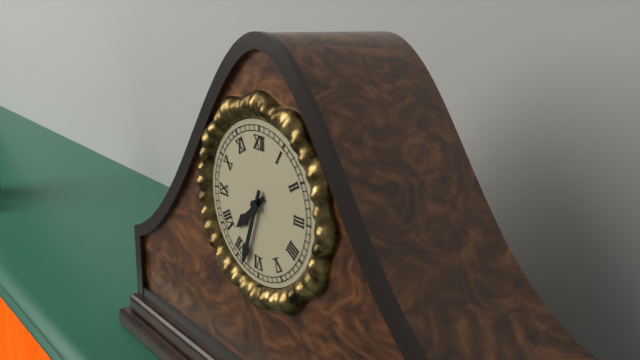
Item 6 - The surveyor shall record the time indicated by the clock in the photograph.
7:33
